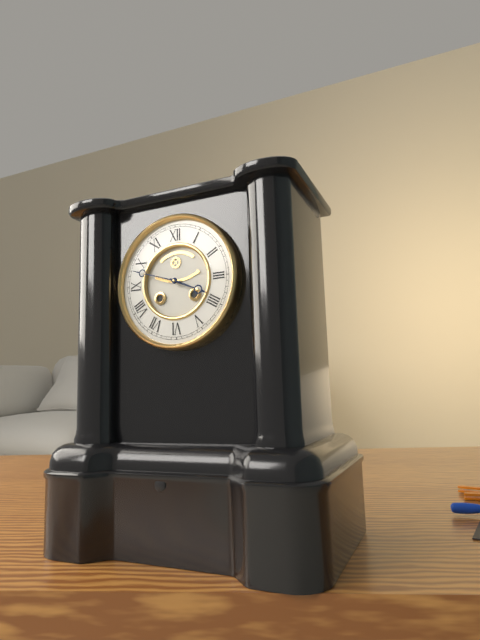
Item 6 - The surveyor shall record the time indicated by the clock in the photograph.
3:48
